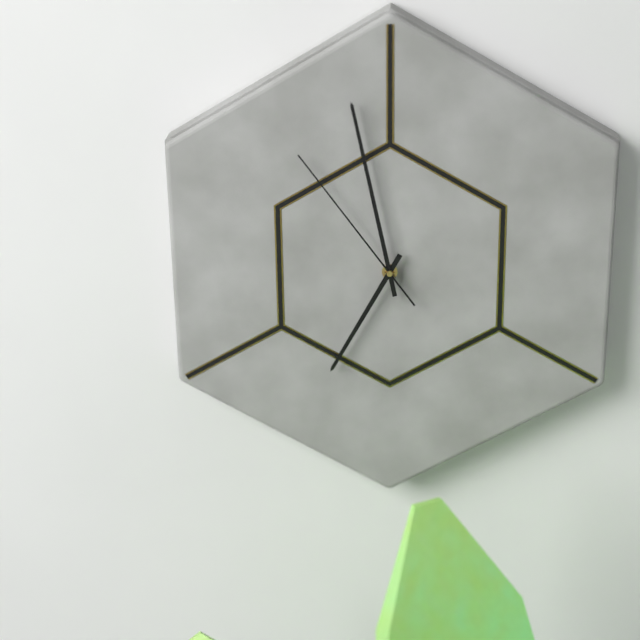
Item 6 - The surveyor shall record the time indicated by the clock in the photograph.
6:58:54
